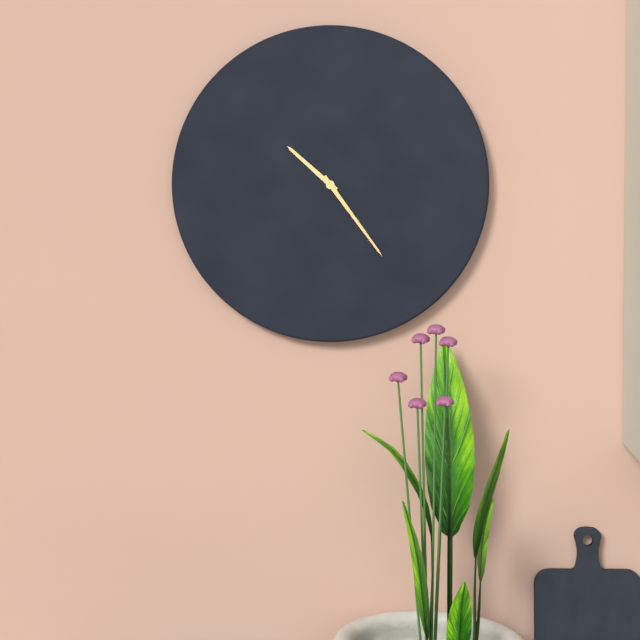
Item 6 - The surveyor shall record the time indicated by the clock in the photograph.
10:24
